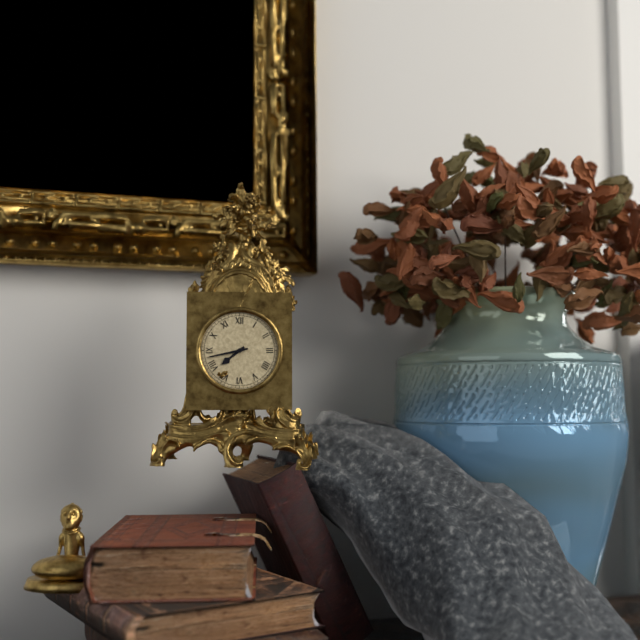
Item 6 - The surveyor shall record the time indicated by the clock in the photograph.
7:43
